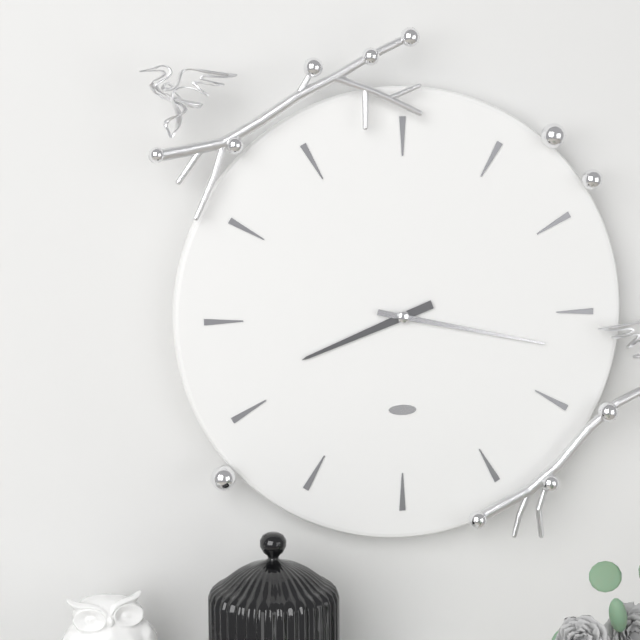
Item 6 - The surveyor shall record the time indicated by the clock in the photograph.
8:17
